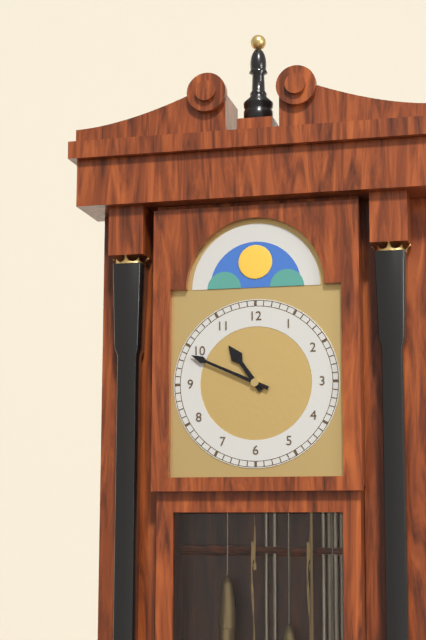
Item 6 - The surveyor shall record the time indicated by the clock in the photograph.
10:49
